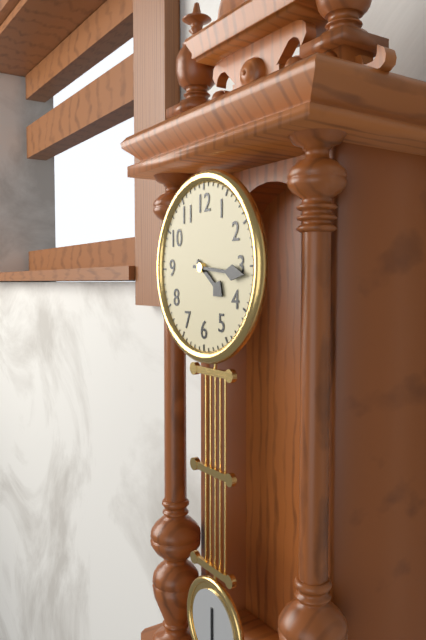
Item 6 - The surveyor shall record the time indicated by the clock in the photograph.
4:16
